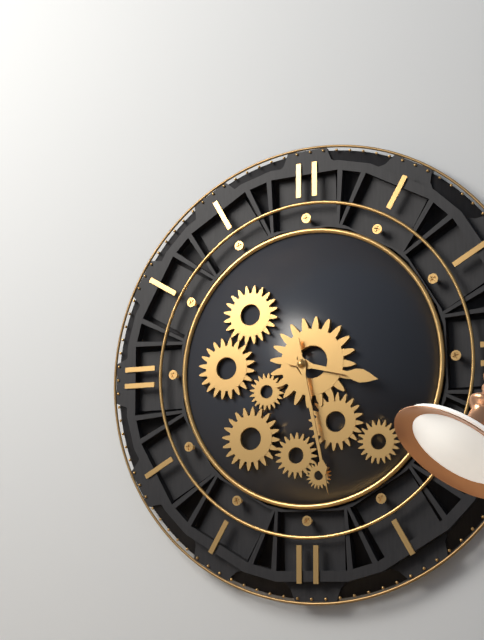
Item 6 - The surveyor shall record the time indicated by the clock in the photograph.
3:28
